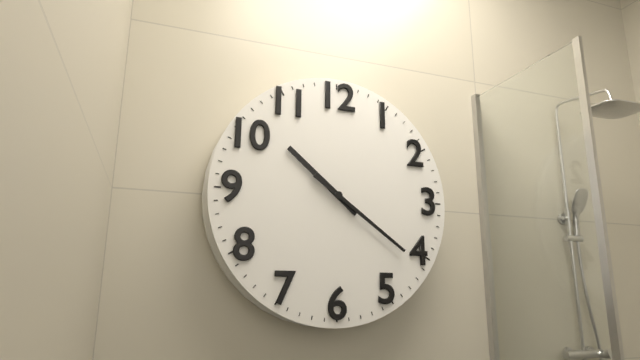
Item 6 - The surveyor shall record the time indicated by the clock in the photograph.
10:21
